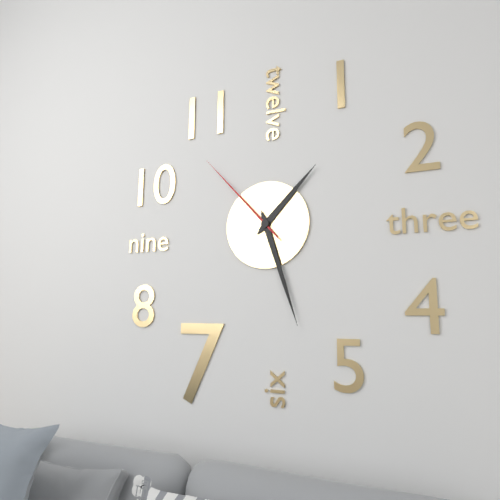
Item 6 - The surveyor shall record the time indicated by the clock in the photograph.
1:27:53
